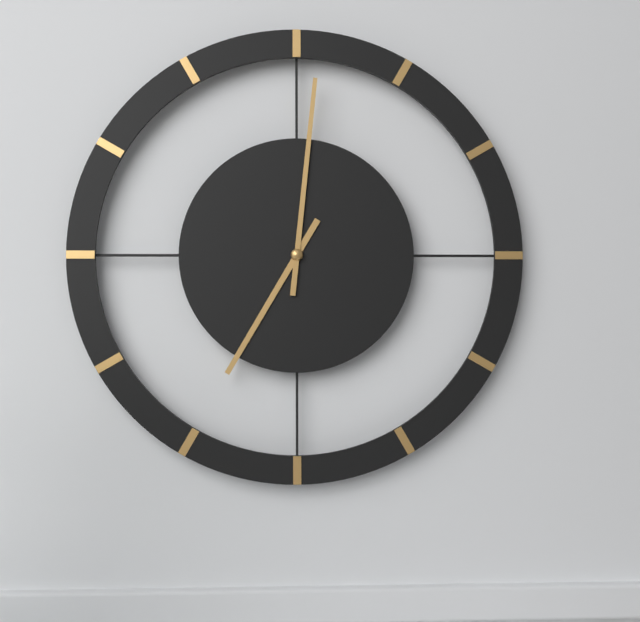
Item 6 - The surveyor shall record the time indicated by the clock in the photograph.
7:01
